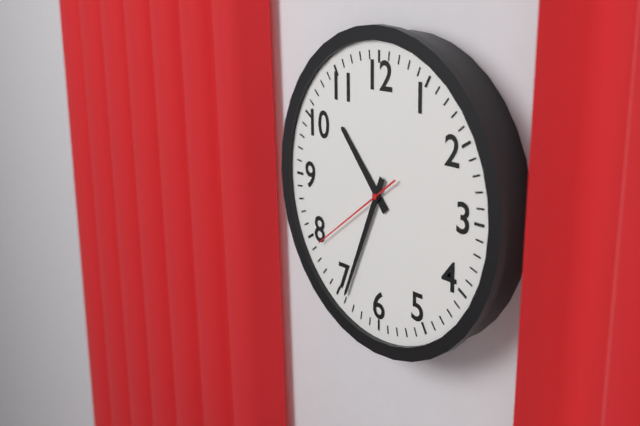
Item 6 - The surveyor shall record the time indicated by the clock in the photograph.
10:34:39
